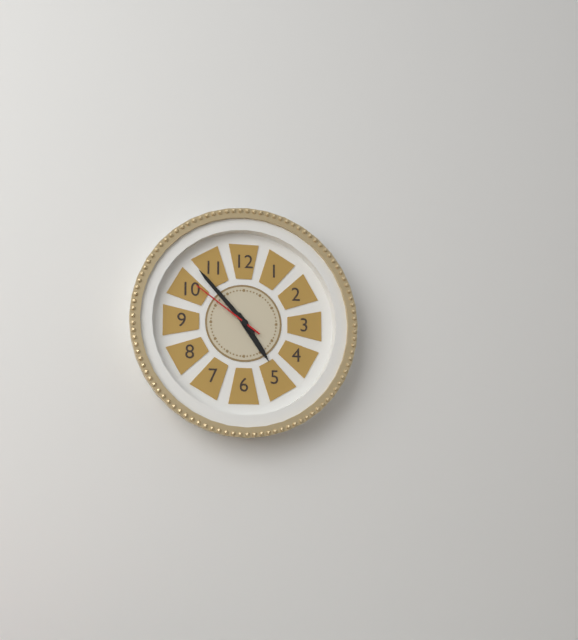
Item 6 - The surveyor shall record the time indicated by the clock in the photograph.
4:53:51
